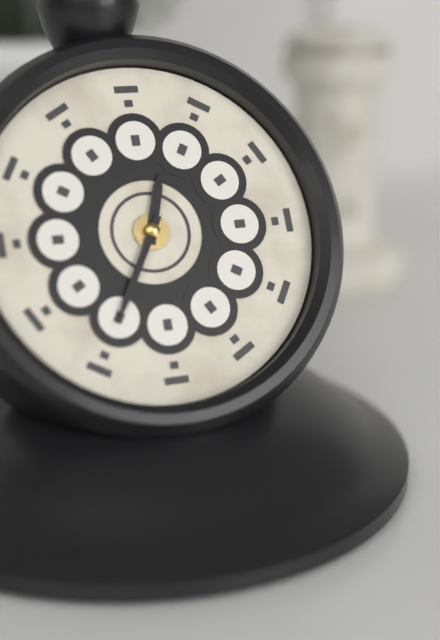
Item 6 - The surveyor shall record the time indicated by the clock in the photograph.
12:35
